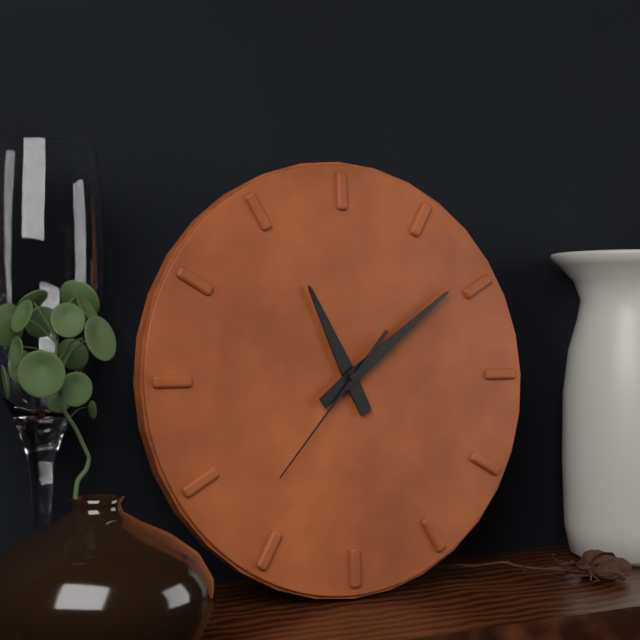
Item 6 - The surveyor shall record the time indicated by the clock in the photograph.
11:09:37
